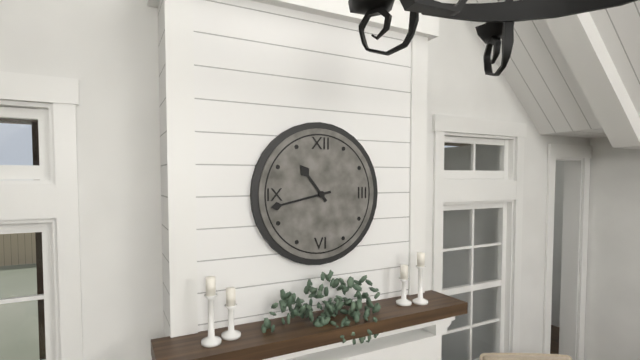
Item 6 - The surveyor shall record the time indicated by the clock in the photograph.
10:43
